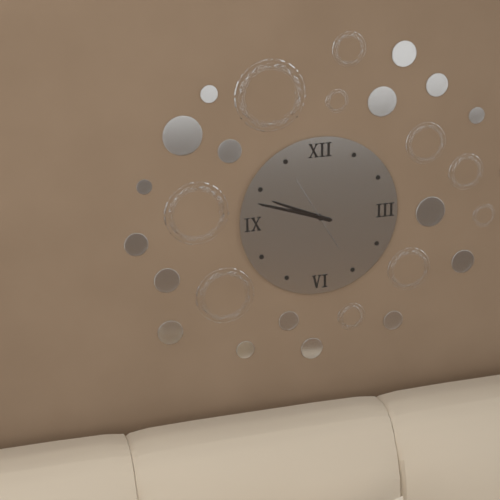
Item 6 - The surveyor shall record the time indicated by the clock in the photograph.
9:48:55
